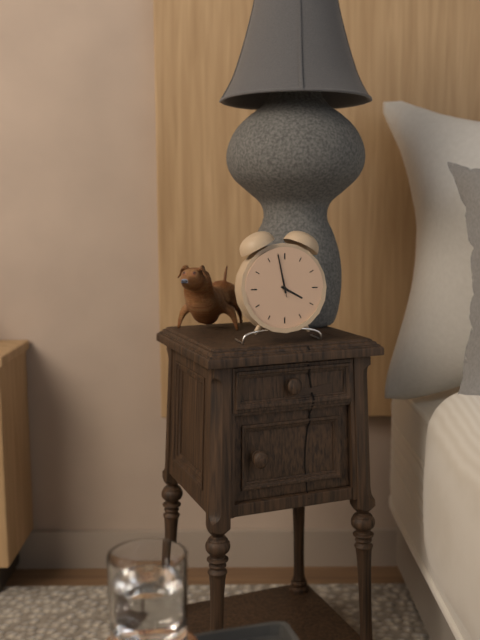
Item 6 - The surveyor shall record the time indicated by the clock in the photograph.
3:58
